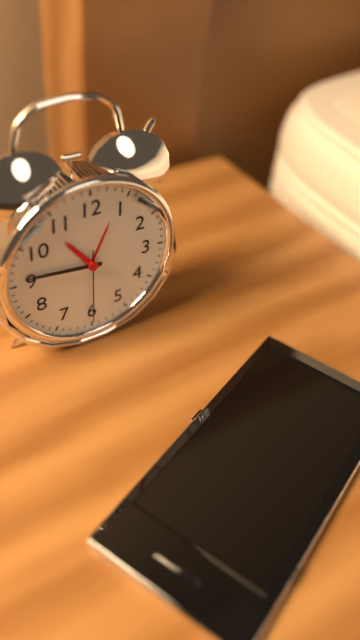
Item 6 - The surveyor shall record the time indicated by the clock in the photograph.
10:46:30
